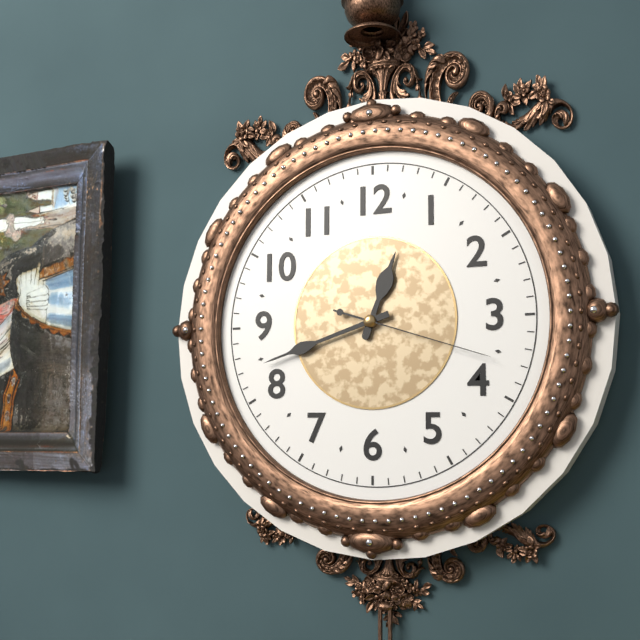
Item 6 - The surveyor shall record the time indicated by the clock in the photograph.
12:42:18
